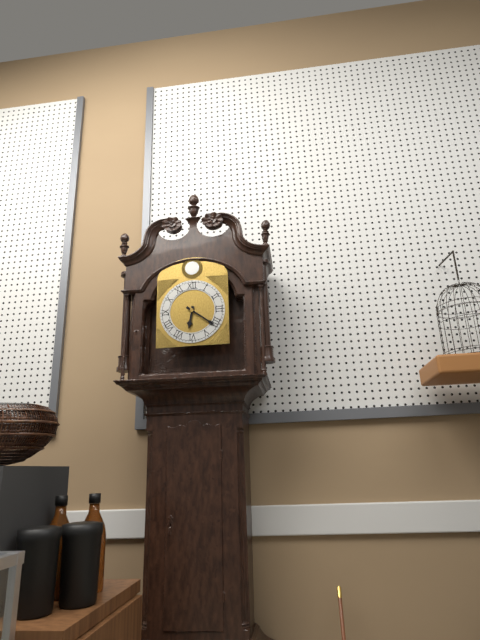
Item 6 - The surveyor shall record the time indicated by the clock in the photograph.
6:21
